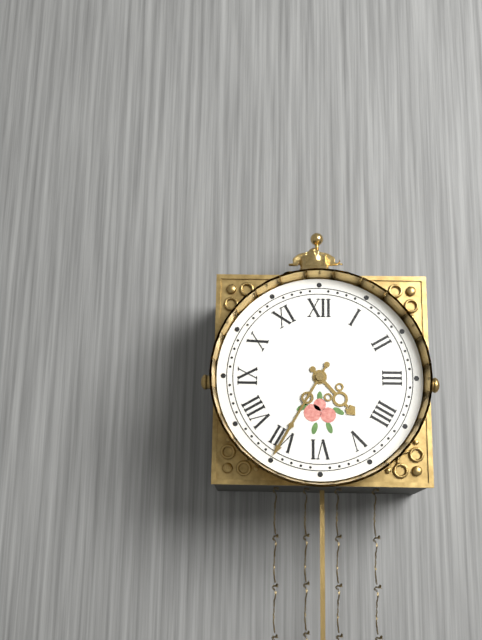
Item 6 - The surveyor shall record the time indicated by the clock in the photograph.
4:35
